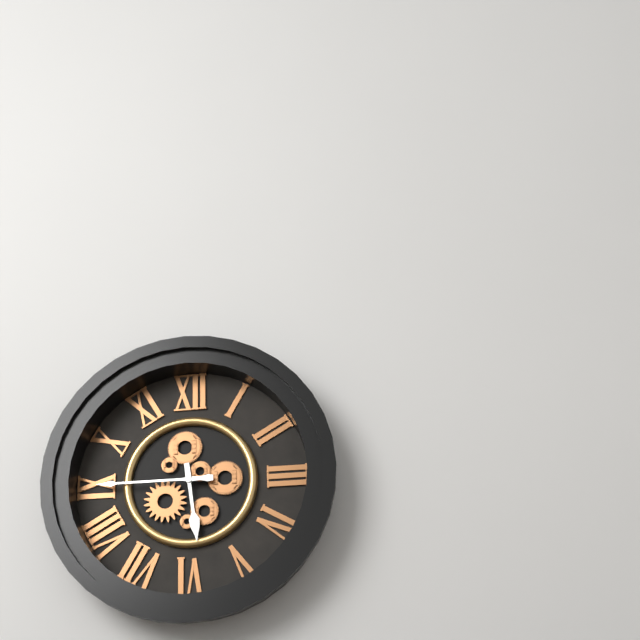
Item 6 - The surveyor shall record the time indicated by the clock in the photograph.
5:45
